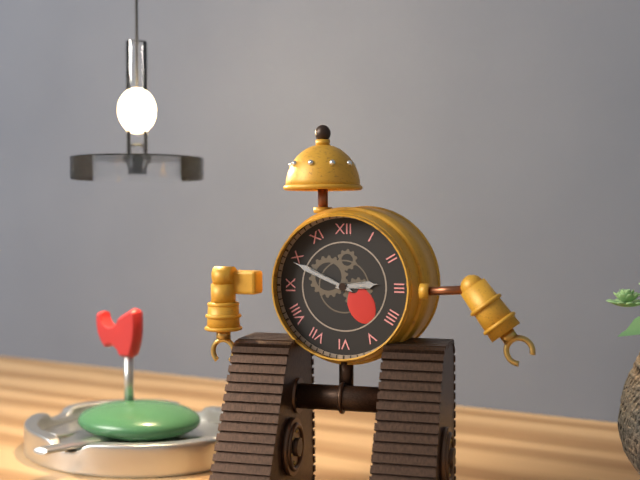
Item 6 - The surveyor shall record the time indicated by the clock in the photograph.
2:49
